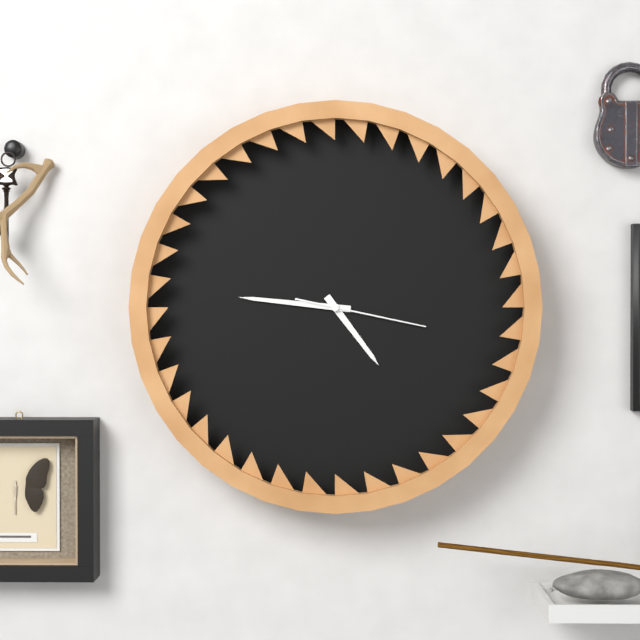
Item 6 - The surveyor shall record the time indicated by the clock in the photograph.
4:46:17
